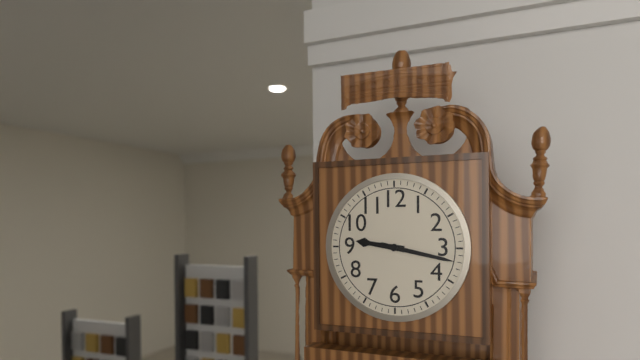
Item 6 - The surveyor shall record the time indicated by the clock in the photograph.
9:17
